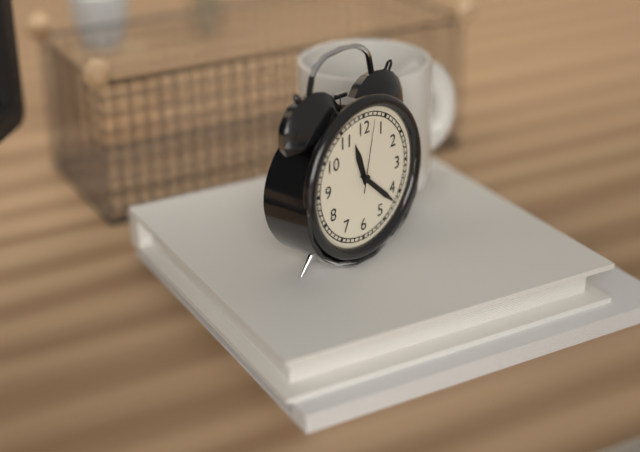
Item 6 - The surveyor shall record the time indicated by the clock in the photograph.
11:22:02
